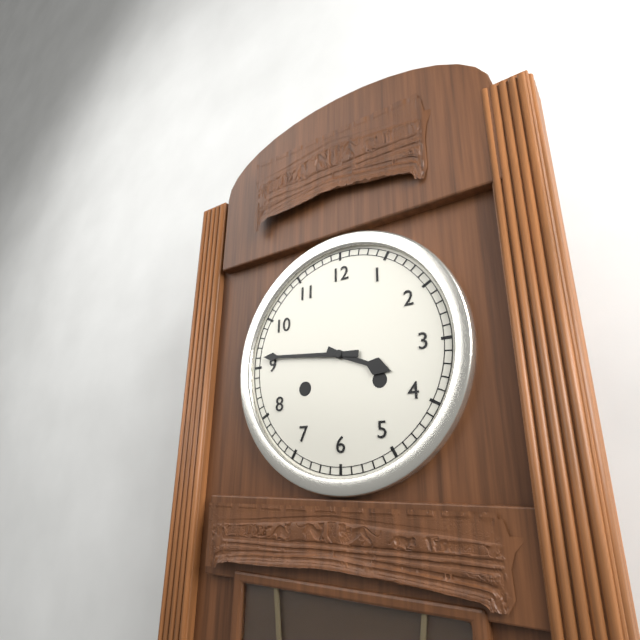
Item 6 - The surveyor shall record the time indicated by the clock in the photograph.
3:46
